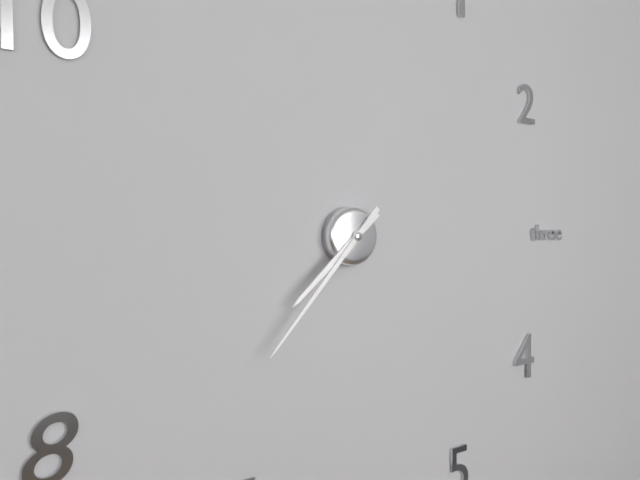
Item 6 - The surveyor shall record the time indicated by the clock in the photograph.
7:37
